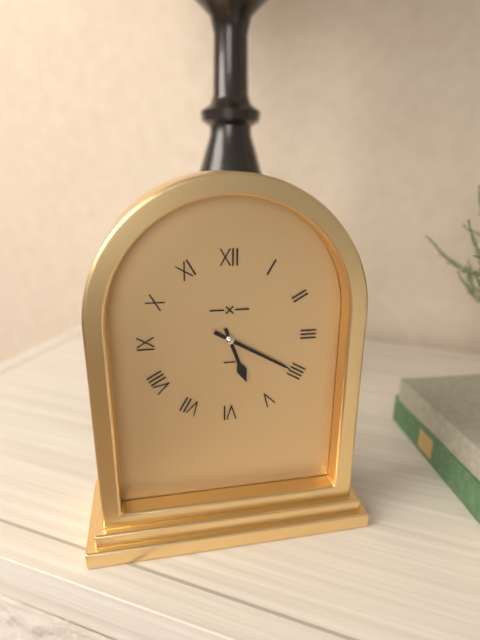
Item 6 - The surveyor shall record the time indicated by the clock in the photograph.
5:20
